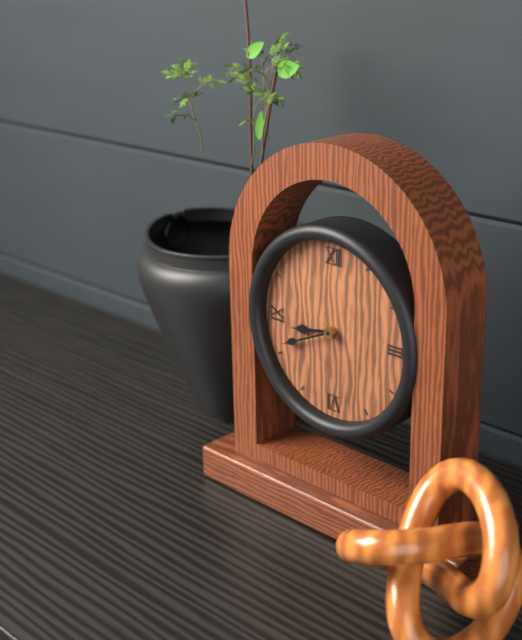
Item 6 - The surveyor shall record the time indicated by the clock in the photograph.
8:41
